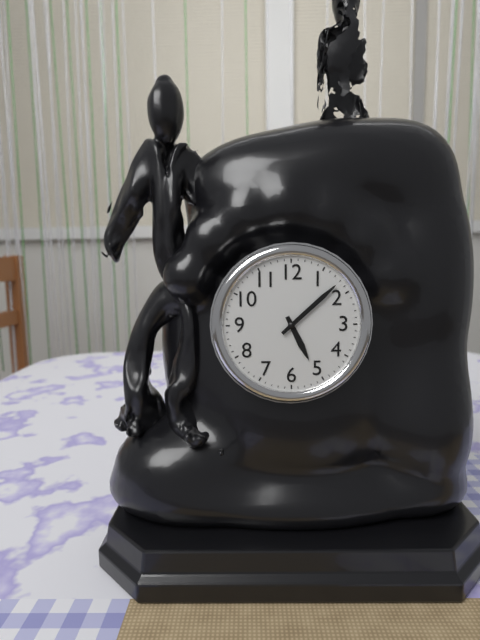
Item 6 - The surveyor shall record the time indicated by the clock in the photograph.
5:08
